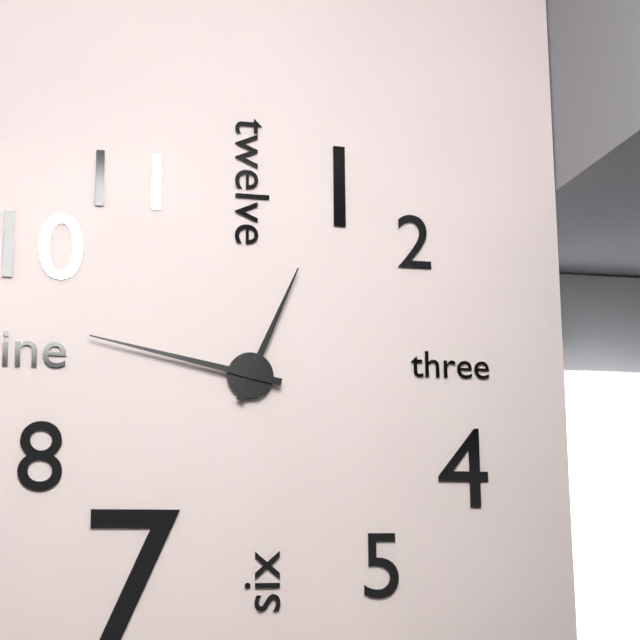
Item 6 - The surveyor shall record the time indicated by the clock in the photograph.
12:47
